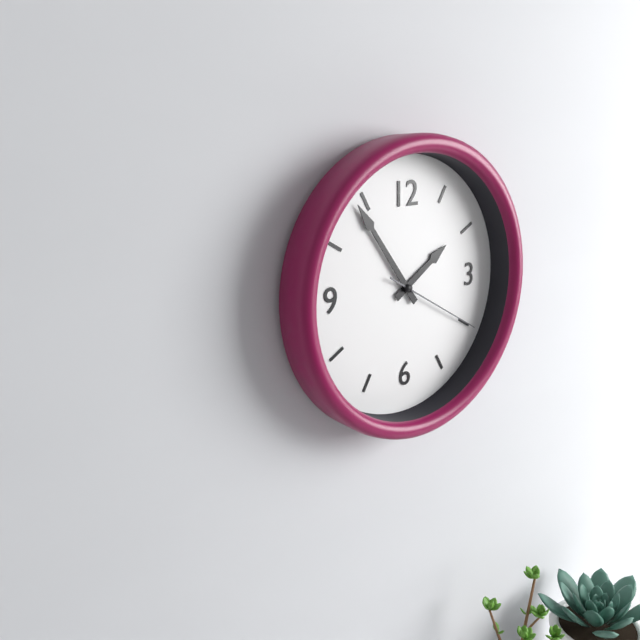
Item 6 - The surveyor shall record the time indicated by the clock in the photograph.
1:54:20
